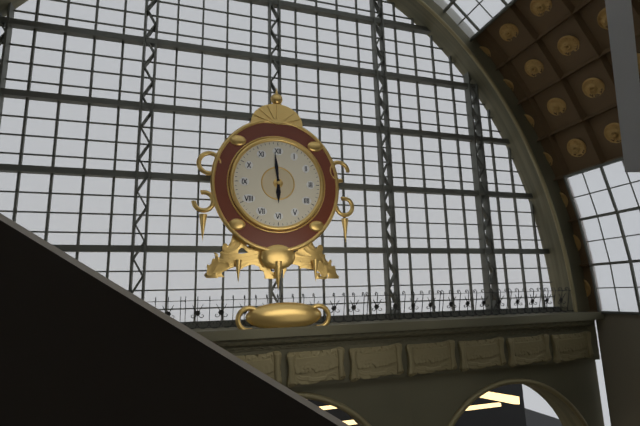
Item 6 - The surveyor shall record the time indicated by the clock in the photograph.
5:59
